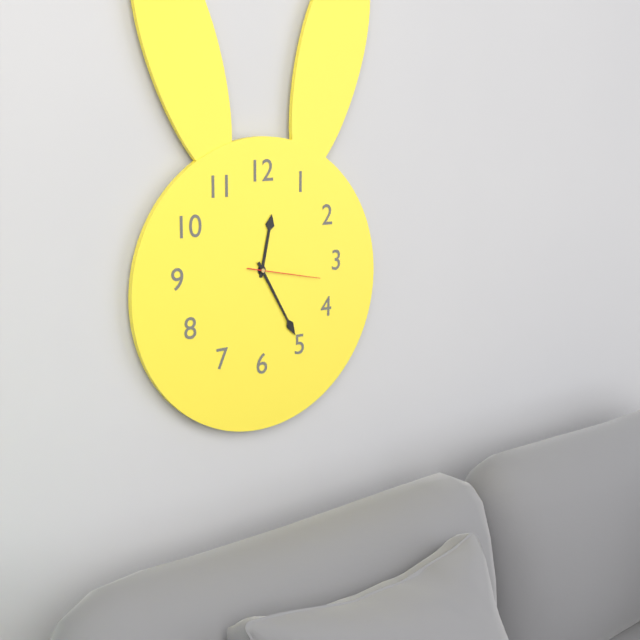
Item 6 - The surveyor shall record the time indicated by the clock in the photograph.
12:25:17
